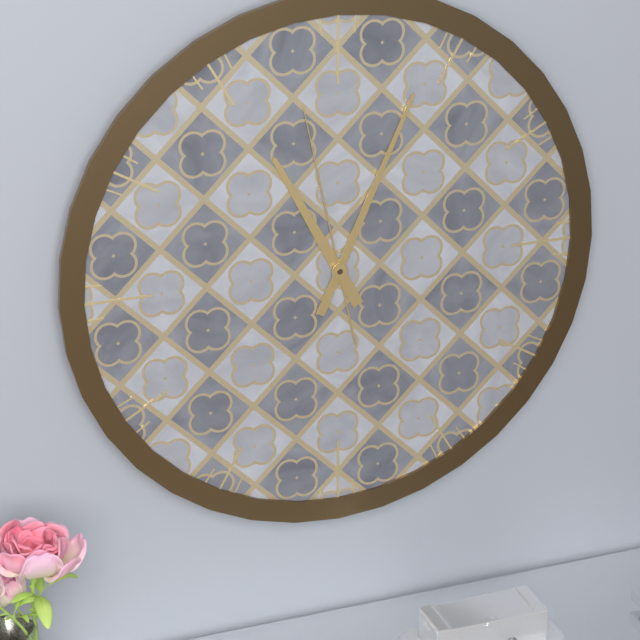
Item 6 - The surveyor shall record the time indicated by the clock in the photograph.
11:04:58
